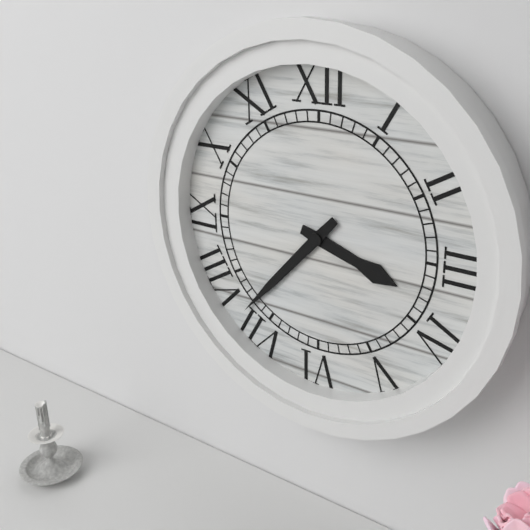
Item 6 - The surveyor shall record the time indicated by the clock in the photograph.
3:37
